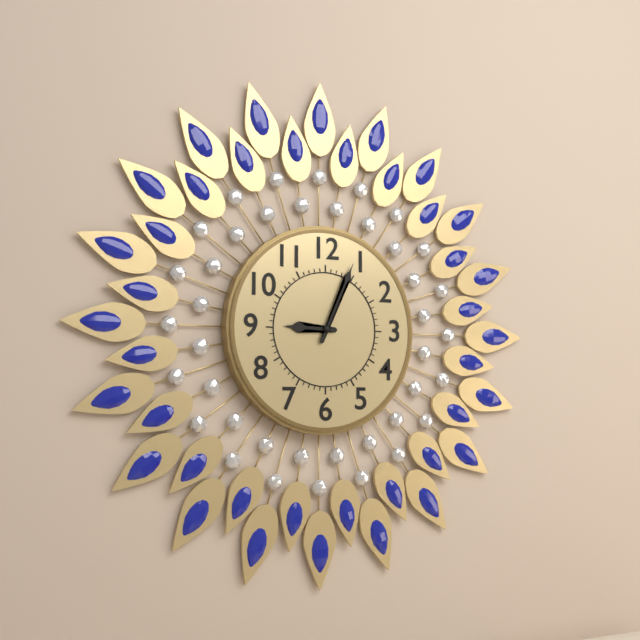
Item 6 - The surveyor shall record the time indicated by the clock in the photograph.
9:04
